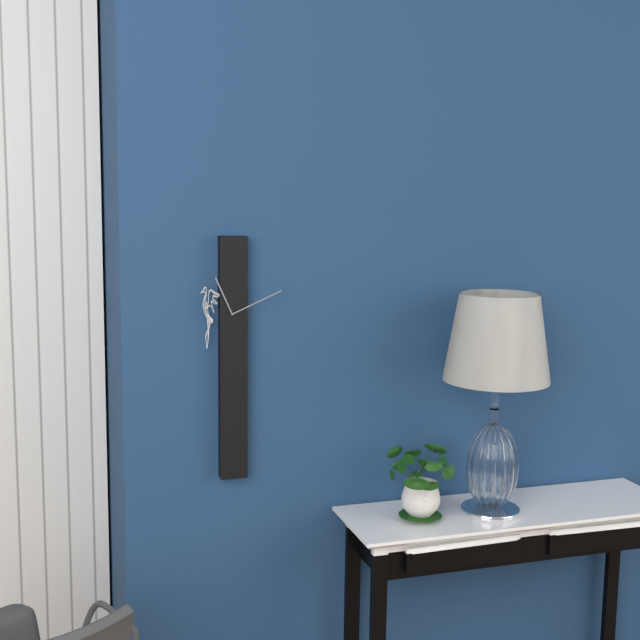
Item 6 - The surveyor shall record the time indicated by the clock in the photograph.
11:11
